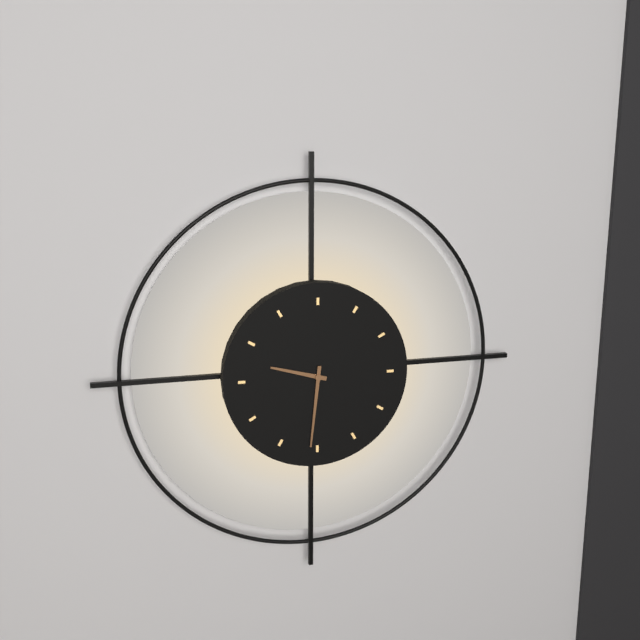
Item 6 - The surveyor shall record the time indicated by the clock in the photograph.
9:31
